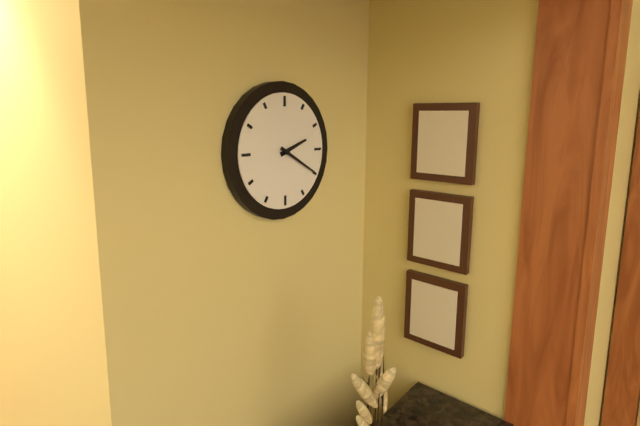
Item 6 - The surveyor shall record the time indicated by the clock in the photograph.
2:20
